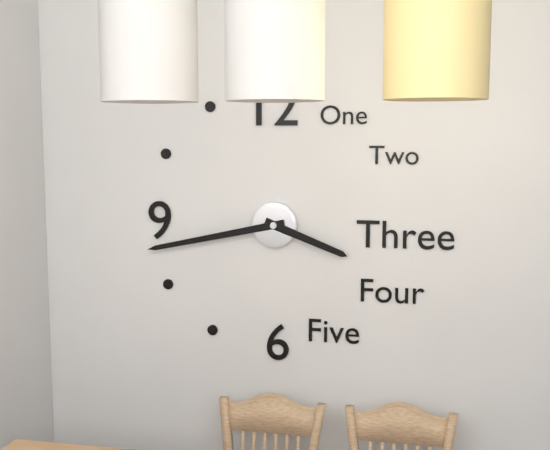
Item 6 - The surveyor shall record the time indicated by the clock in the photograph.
3:43
